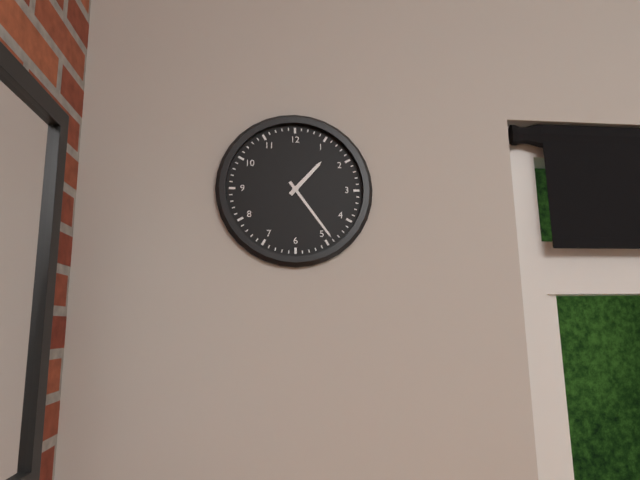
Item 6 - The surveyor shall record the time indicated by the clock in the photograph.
1:24
